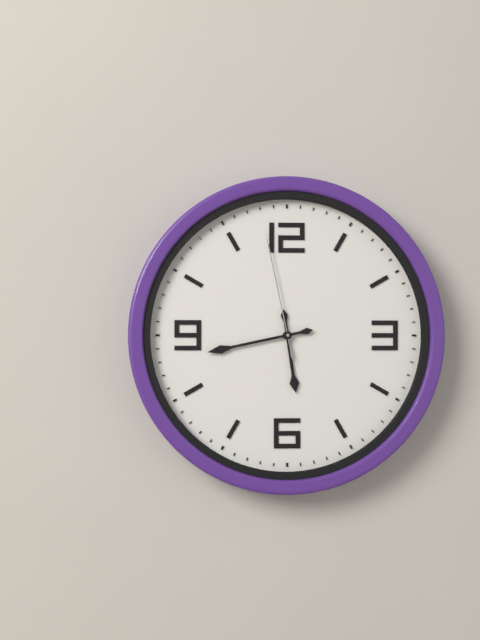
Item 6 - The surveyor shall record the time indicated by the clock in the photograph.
5:43:58
